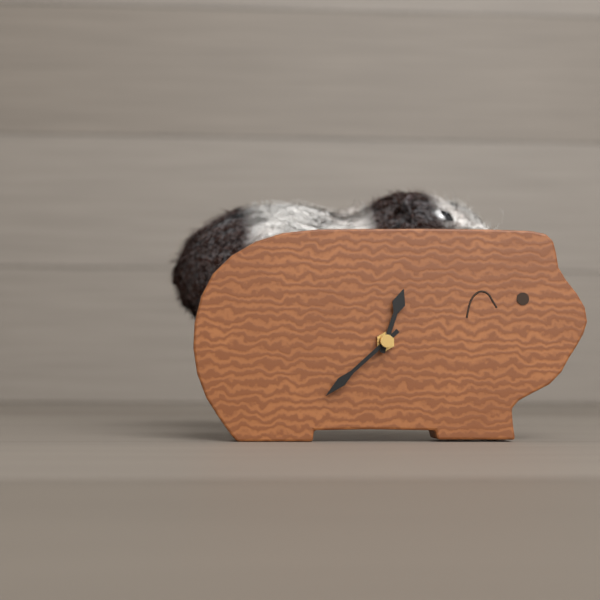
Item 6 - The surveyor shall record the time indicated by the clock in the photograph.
12:38
